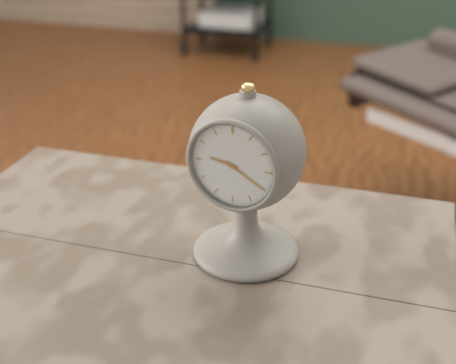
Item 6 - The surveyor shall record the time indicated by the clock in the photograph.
9:20
